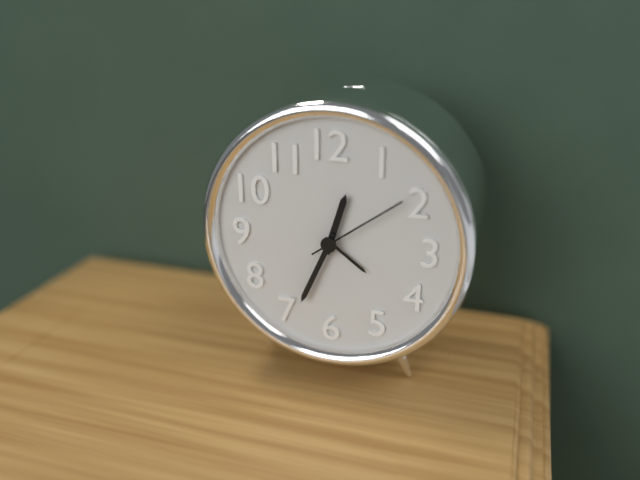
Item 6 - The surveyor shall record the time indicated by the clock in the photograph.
12:34:09
